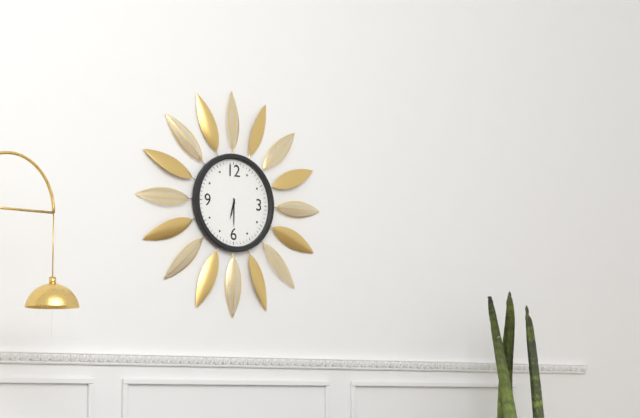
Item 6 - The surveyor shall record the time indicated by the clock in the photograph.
6:30
